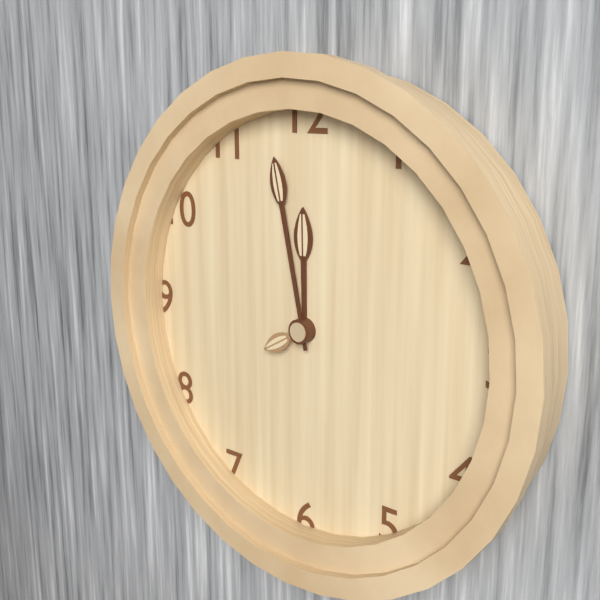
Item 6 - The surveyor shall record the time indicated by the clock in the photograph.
11:58:40
